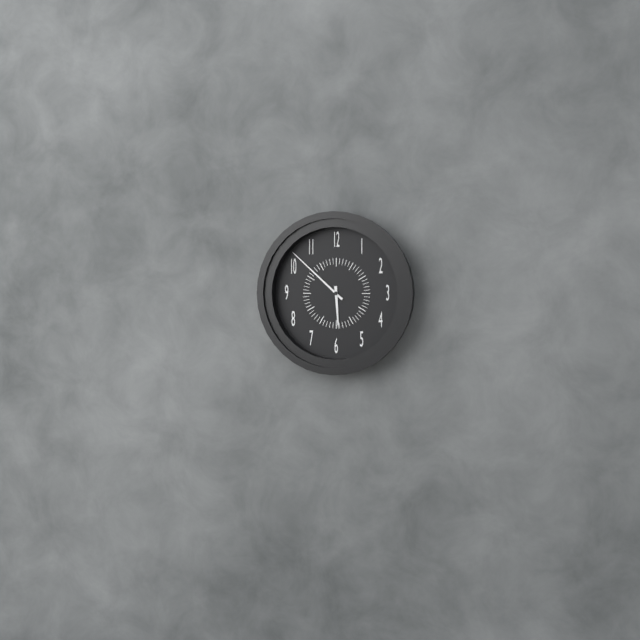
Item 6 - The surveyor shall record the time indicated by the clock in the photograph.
5:52
